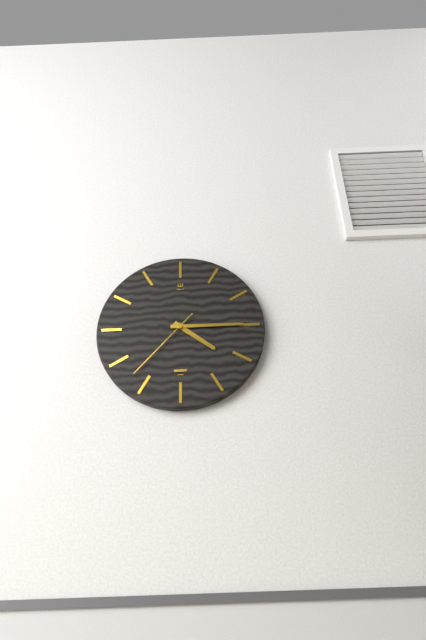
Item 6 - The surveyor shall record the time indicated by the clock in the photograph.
4:15:37
